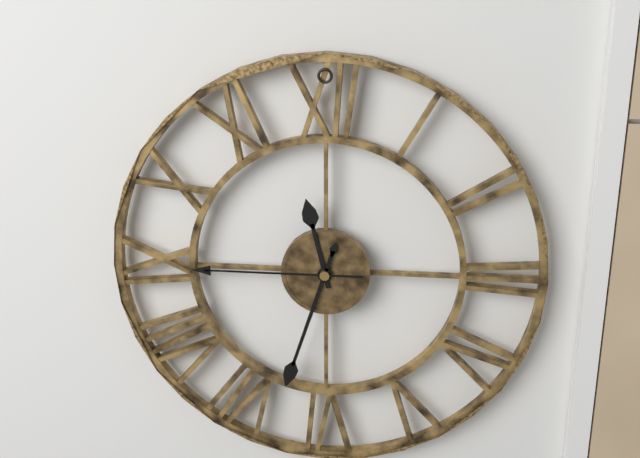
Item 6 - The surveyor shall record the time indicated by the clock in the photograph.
11:33:45
